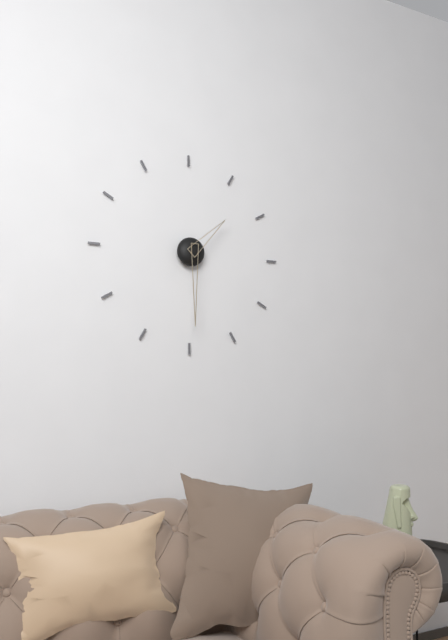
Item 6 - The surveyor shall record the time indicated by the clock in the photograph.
1:30
